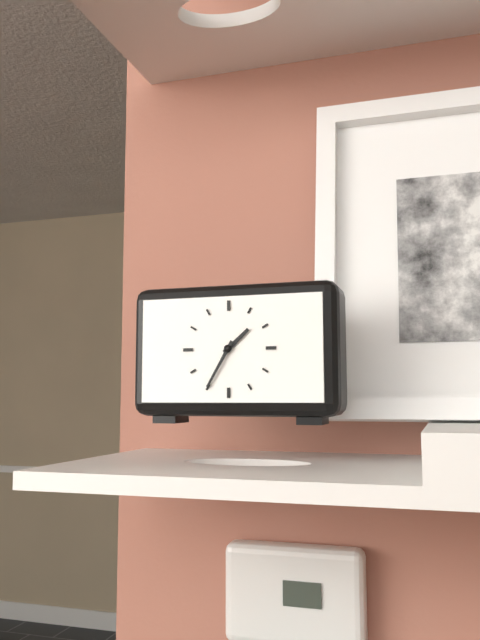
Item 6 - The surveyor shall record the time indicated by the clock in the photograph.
1:35
